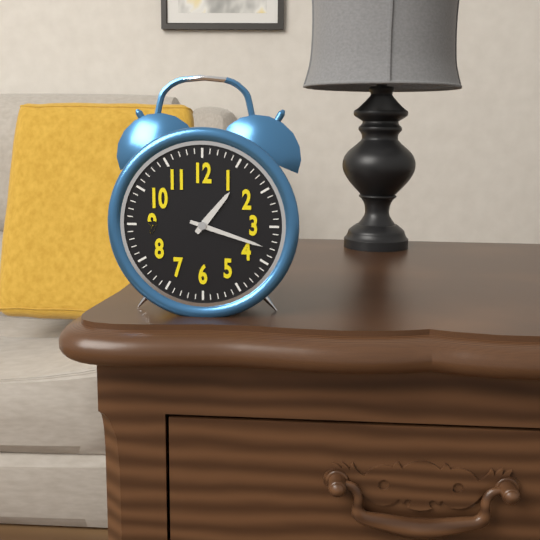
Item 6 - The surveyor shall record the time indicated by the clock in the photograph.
1:18
